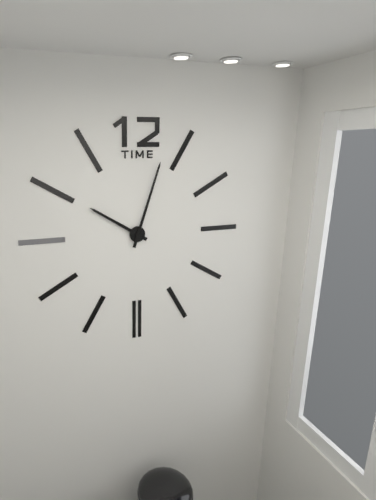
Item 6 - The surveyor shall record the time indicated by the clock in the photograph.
10:03
